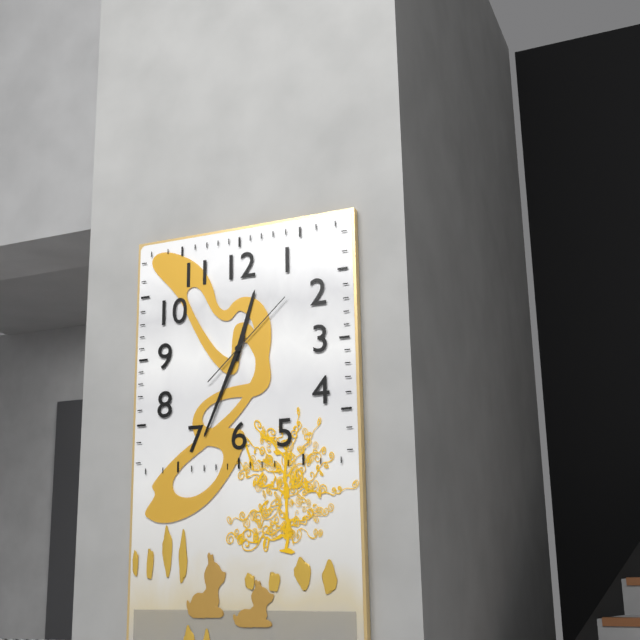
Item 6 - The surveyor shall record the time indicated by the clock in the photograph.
12:34:08
